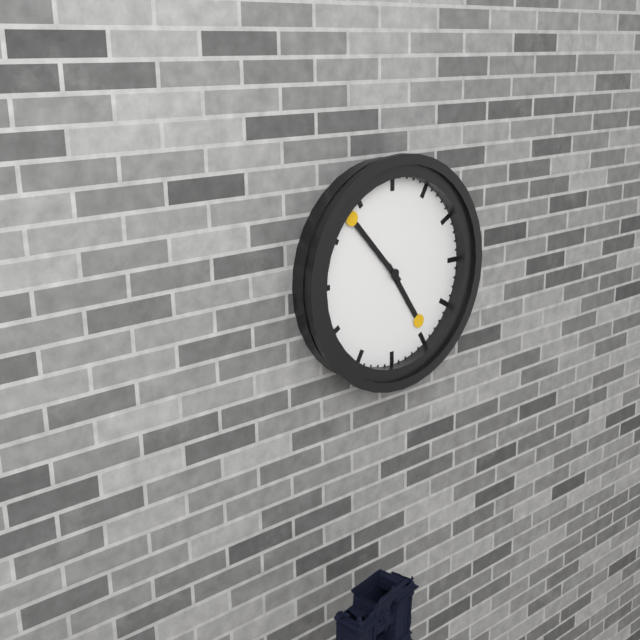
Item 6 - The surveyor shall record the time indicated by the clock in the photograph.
4:53
